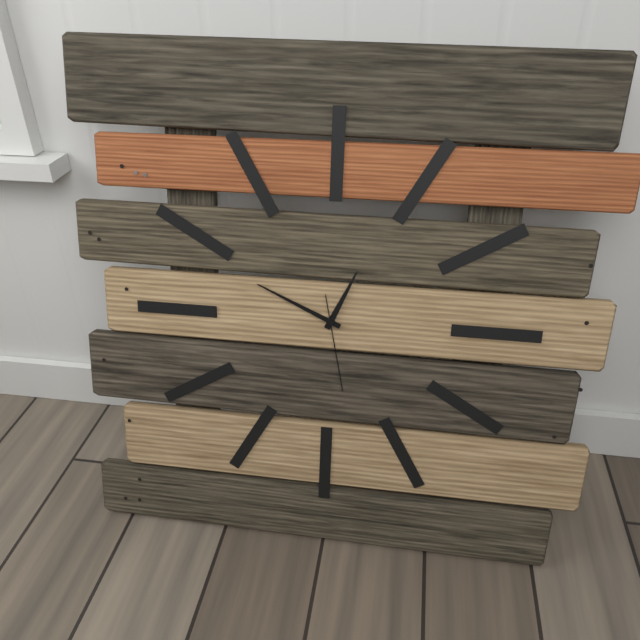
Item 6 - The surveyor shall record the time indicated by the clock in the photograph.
12:49:28
